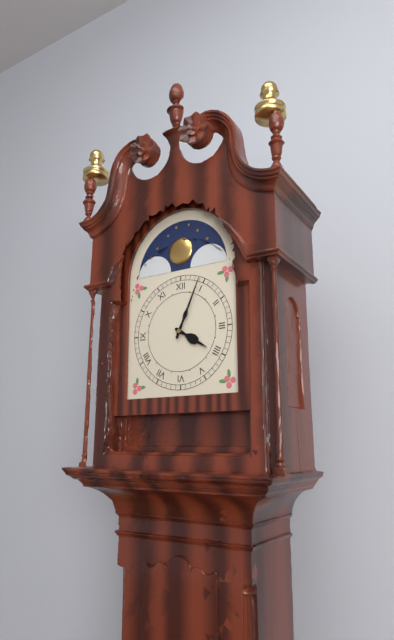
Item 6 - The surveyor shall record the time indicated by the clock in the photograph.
4:04
